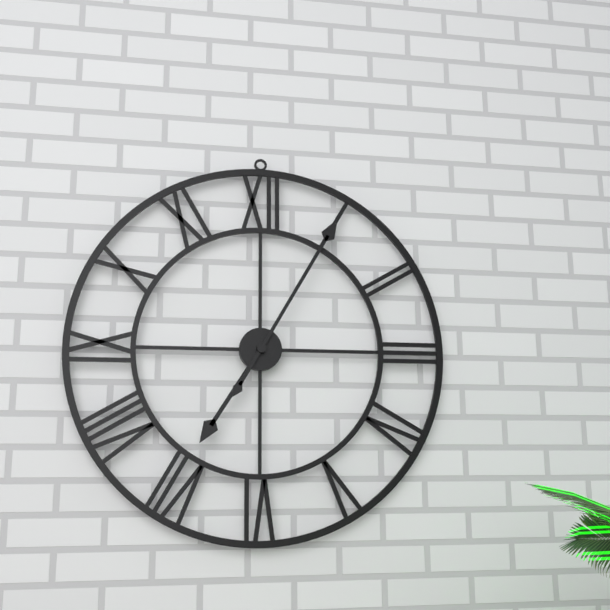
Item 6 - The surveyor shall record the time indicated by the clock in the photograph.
7:05
